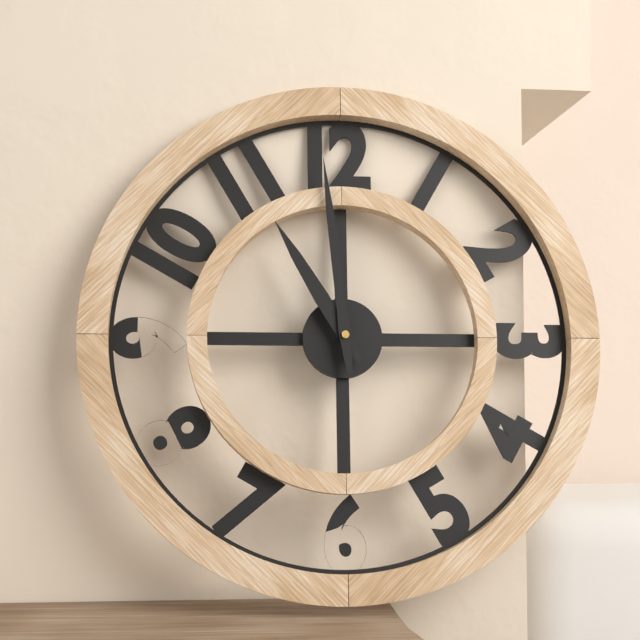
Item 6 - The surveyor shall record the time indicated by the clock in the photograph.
10:59
